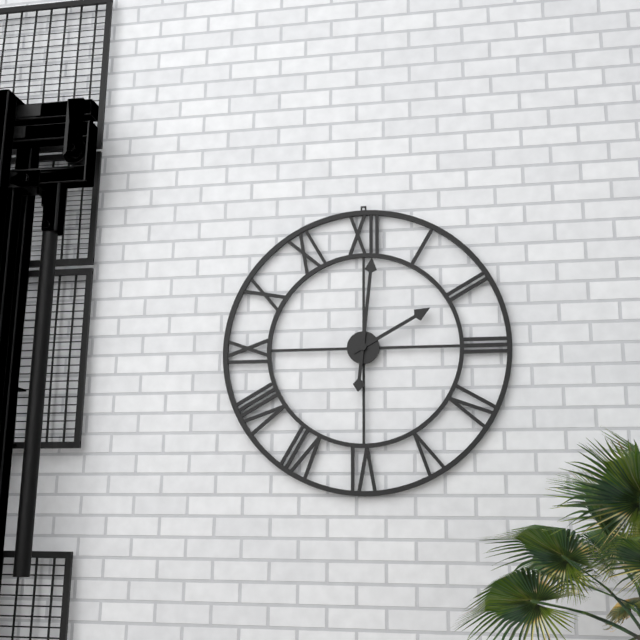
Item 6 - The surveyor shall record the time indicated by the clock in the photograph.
2:01
